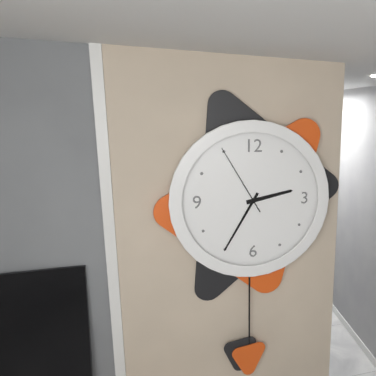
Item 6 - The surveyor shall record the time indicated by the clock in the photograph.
2:35:55
